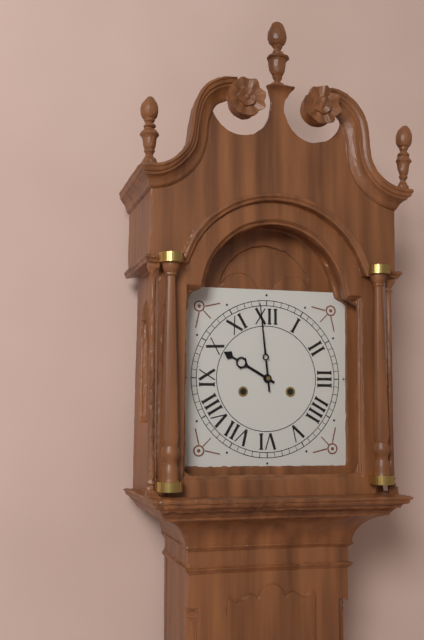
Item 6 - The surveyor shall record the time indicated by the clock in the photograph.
9:59
